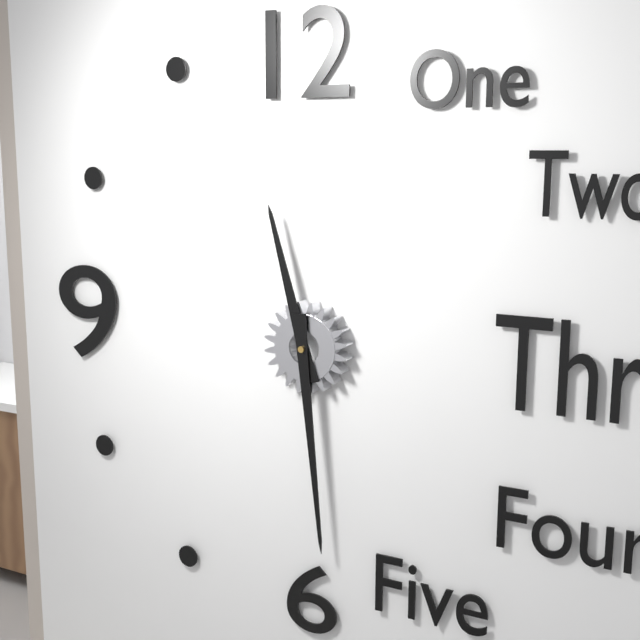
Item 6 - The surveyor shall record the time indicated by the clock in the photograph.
11:29
